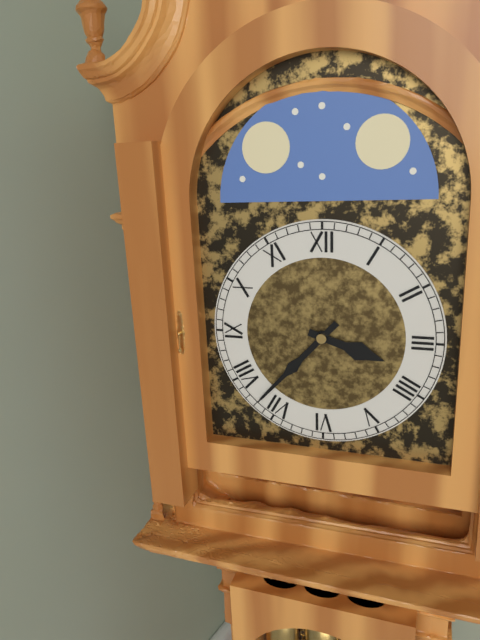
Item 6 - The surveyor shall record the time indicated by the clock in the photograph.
3:37
